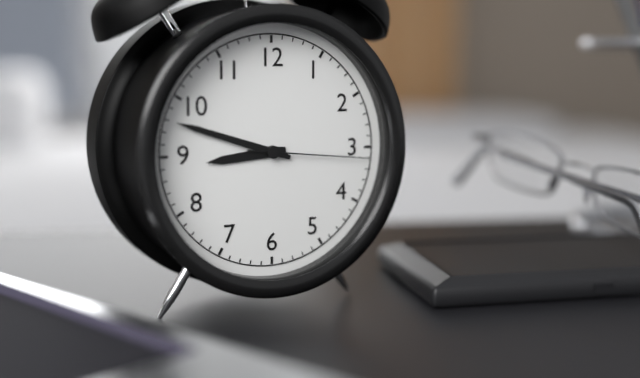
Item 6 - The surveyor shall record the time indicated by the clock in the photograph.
8:48:16
